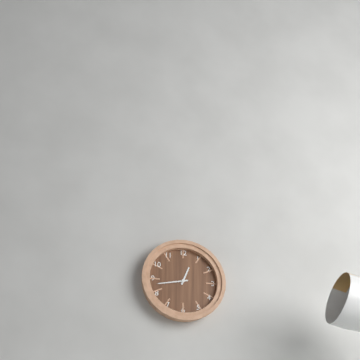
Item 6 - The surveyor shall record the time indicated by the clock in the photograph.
12:43
